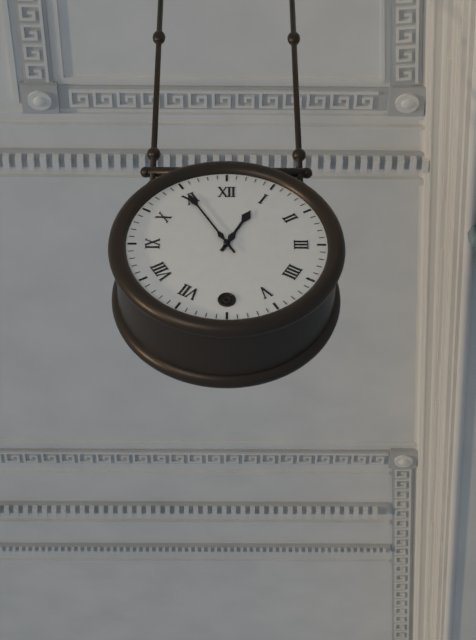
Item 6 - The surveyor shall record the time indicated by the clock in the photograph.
12:55
